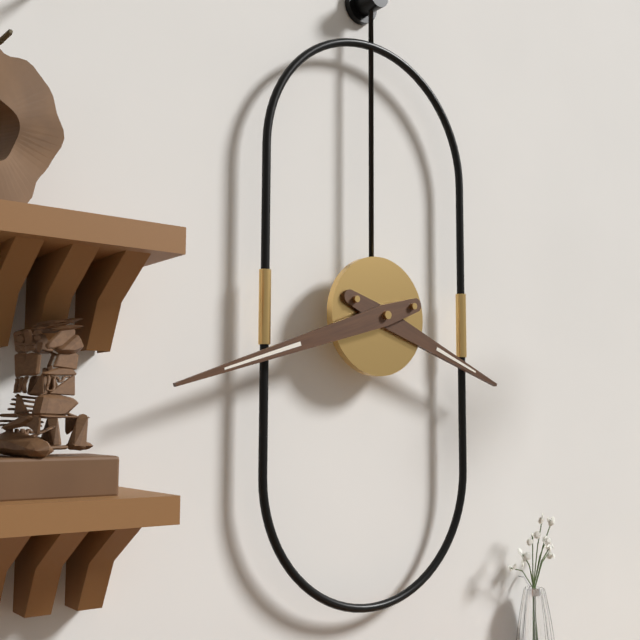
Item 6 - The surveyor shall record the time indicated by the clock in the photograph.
3:42
